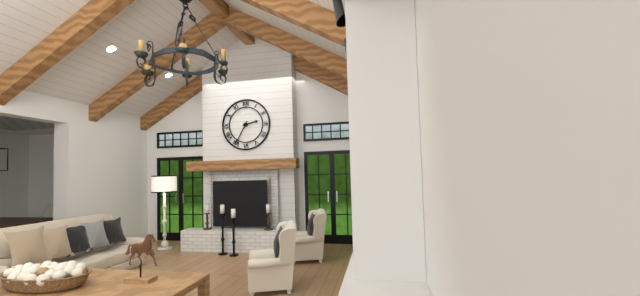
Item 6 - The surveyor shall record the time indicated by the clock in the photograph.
2:35
